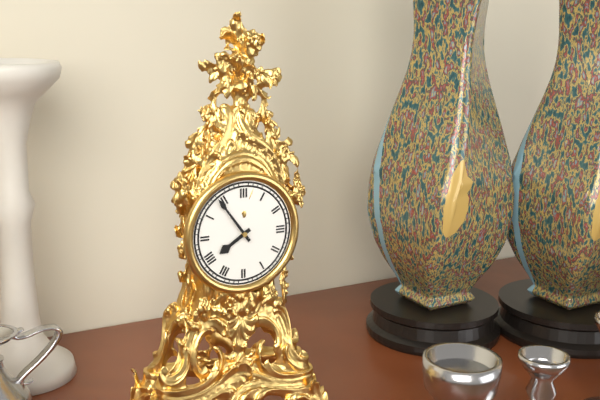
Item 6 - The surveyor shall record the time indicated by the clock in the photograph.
7:54
